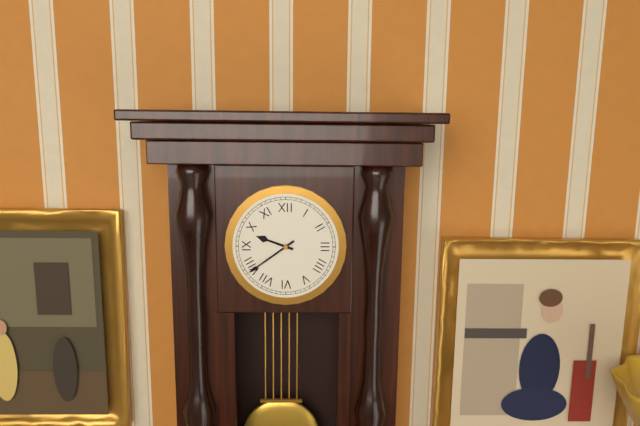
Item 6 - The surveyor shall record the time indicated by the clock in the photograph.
9:39
